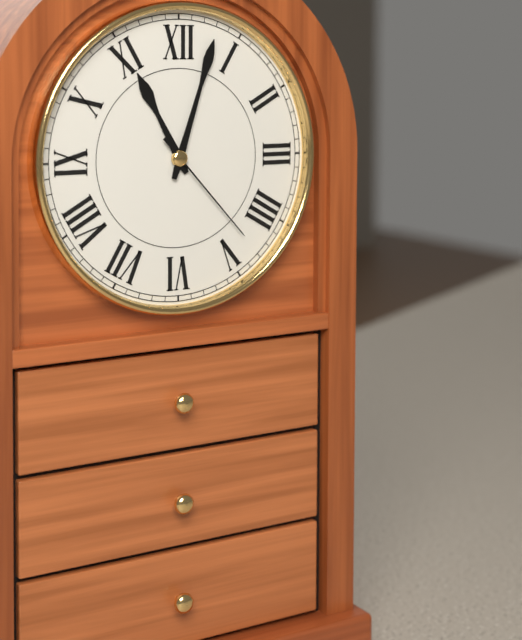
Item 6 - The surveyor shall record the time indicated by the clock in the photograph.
11:03:23
